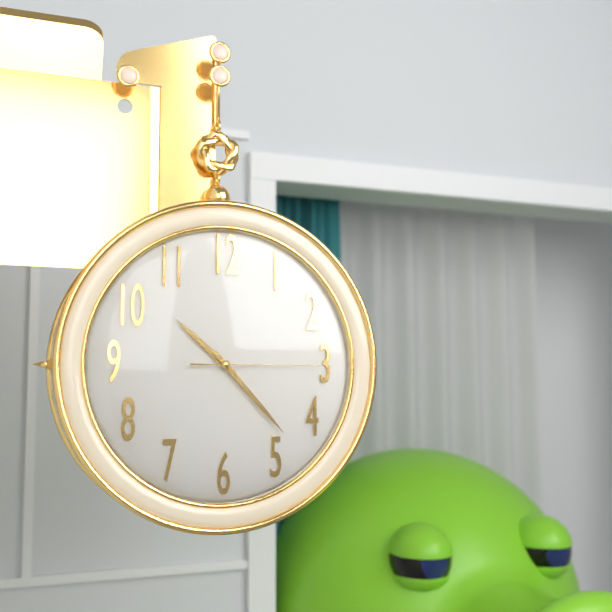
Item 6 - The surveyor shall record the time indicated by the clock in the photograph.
10:23:15
